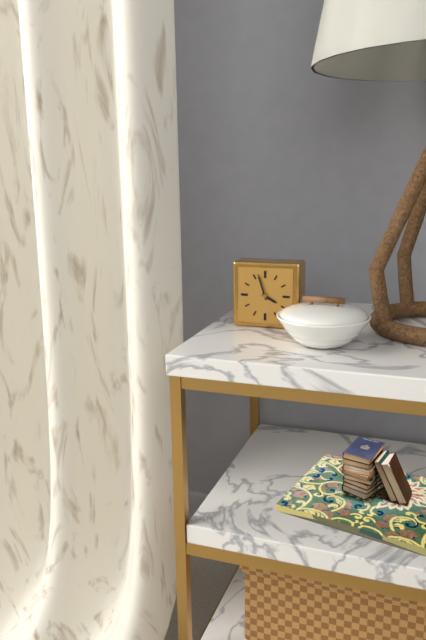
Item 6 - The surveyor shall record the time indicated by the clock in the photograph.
3:57
